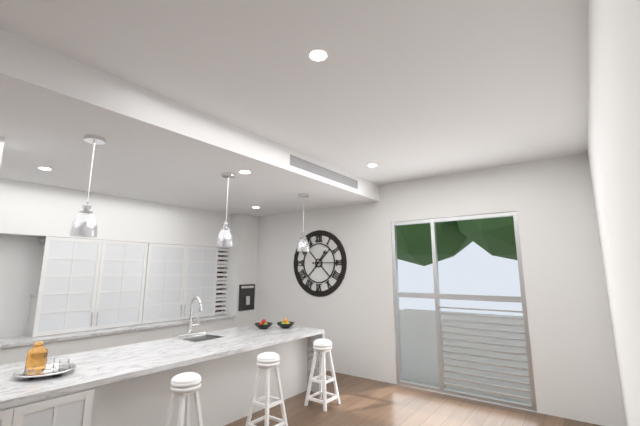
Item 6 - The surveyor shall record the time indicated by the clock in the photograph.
1:15
